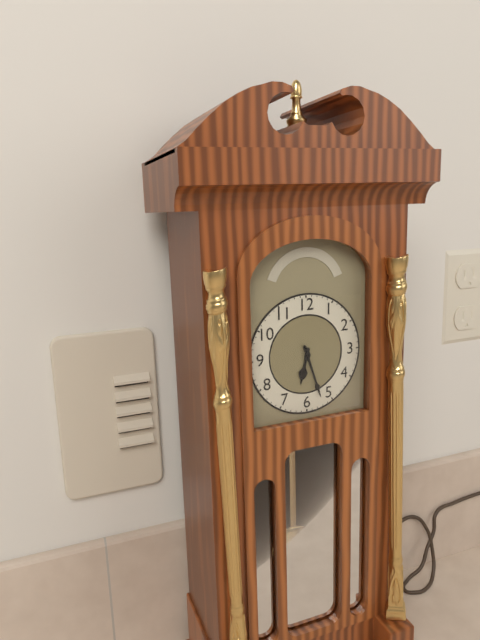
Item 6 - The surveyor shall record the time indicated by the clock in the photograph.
6:27
